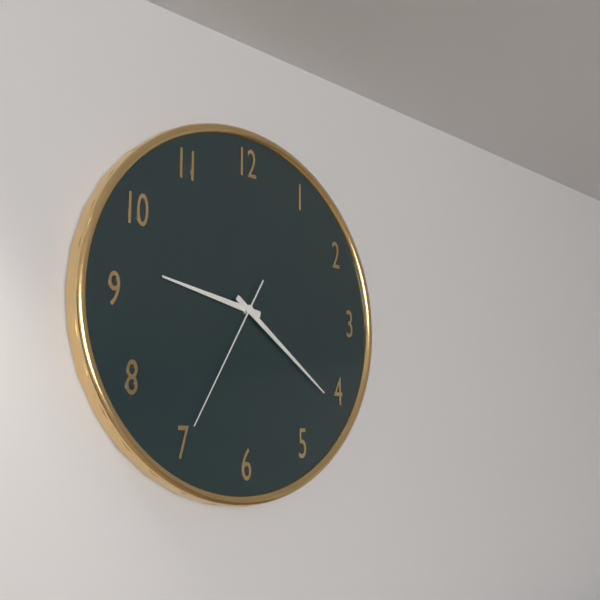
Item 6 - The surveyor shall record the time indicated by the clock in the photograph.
9:21:35
